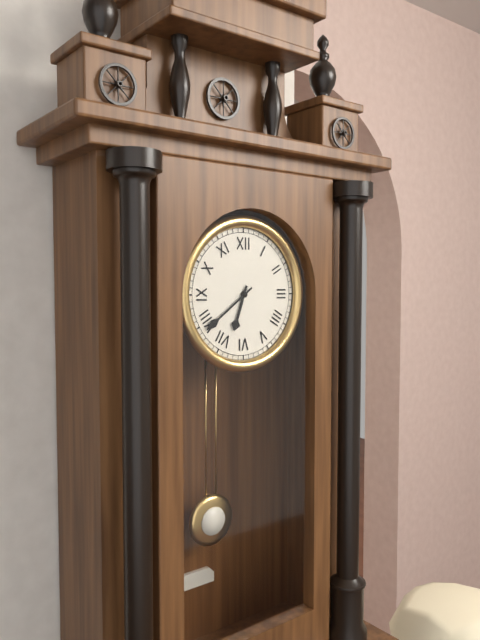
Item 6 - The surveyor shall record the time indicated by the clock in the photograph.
6:39
